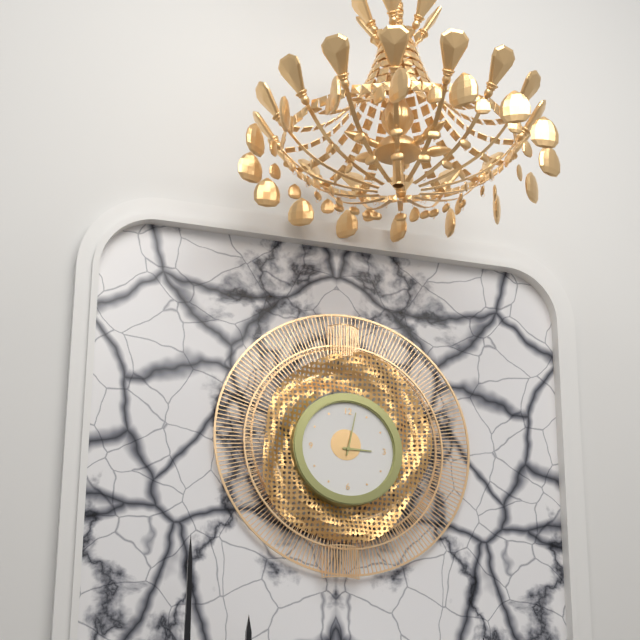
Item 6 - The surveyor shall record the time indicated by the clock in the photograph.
3:02
